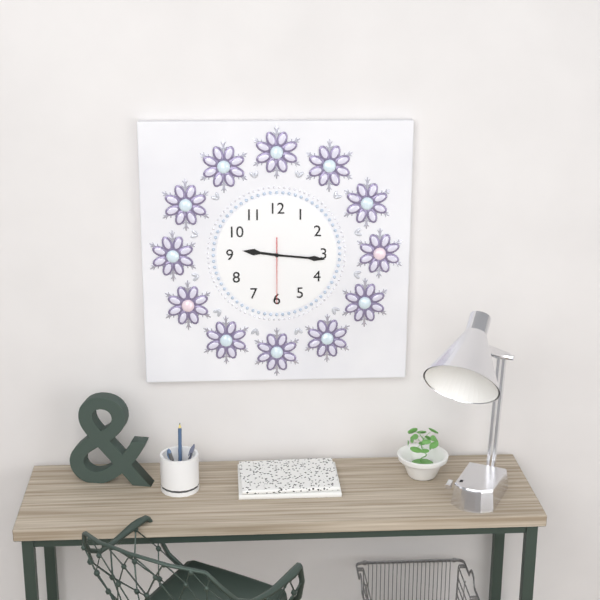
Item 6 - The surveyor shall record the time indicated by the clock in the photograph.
9:16:30
